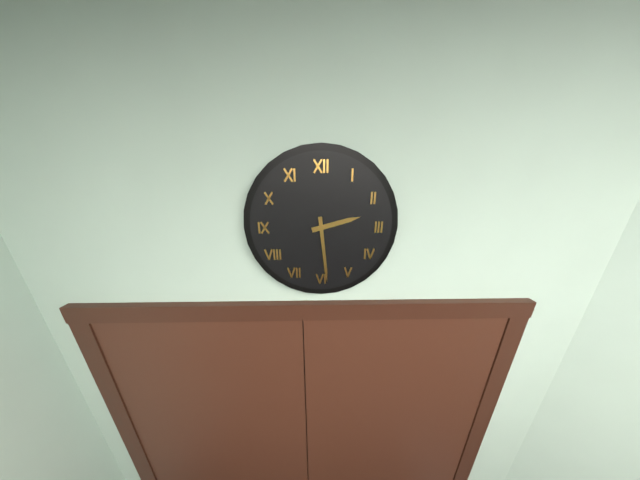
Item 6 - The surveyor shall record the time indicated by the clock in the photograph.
2:29
